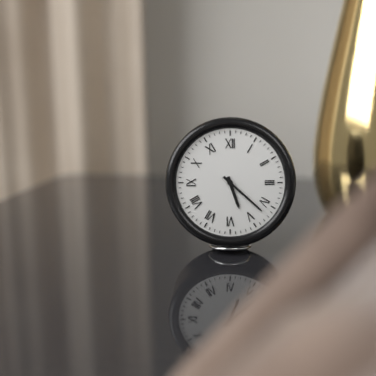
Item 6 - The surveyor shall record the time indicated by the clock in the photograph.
5:22
